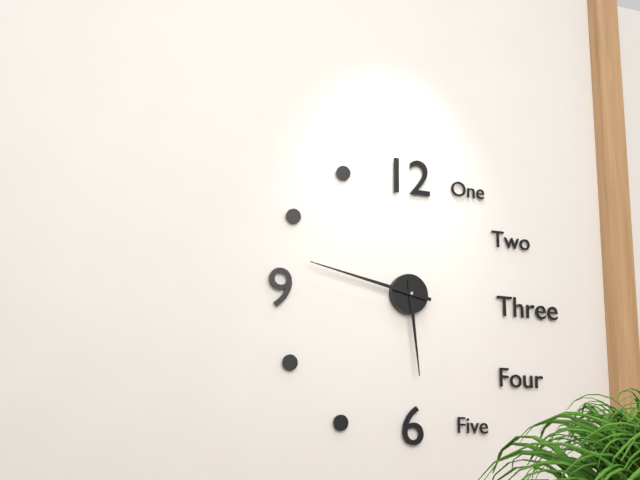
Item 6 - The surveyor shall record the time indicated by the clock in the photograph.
5:47
